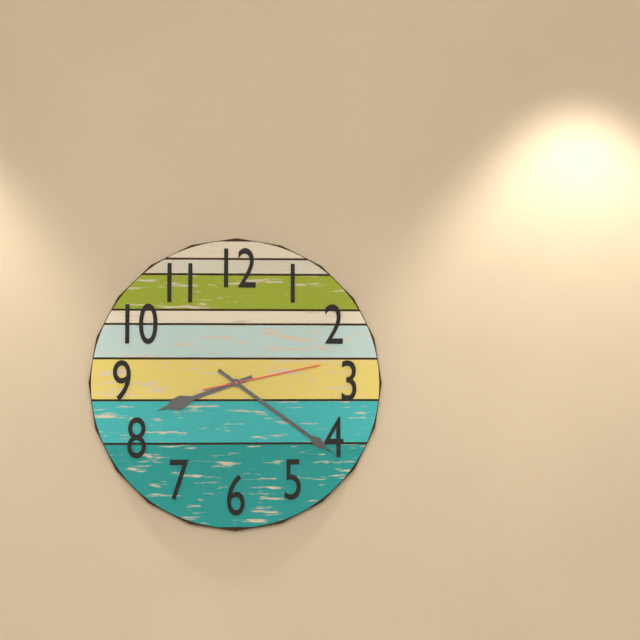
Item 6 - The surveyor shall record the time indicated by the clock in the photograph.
8:21:13
